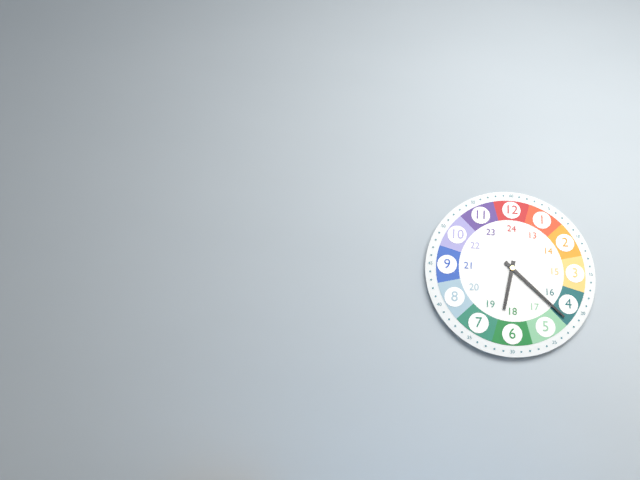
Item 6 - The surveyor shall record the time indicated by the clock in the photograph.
6:22
